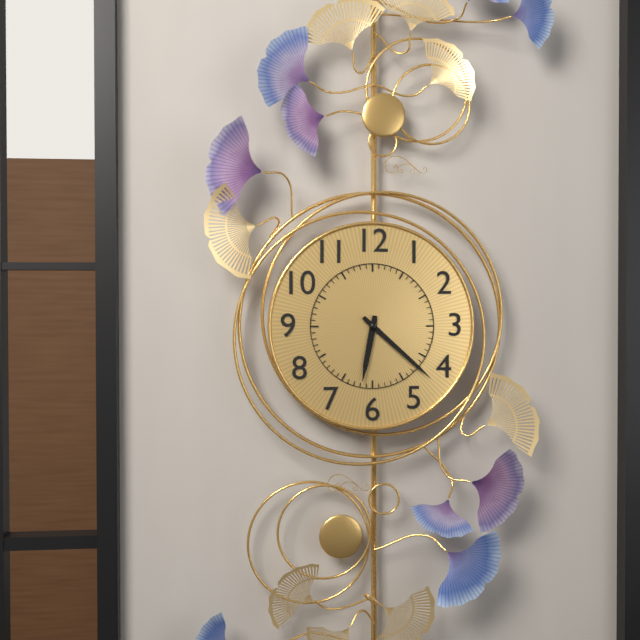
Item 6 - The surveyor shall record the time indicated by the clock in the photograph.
6:22
